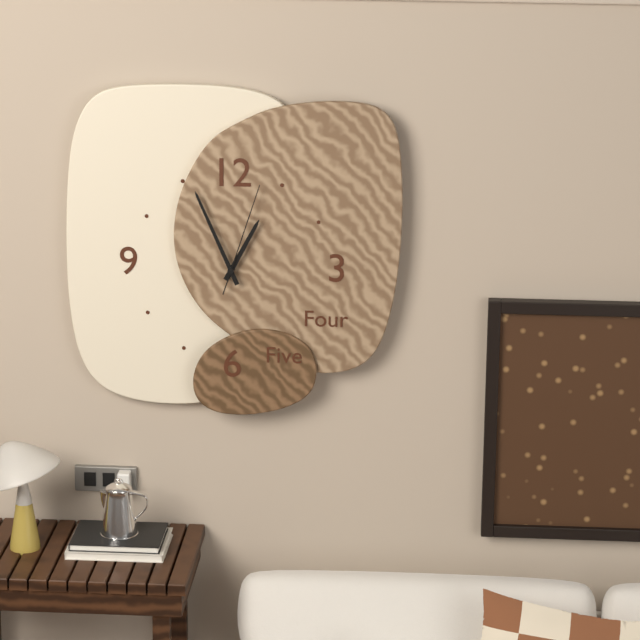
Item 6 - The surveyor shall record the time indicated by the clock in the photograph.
12:56:03
